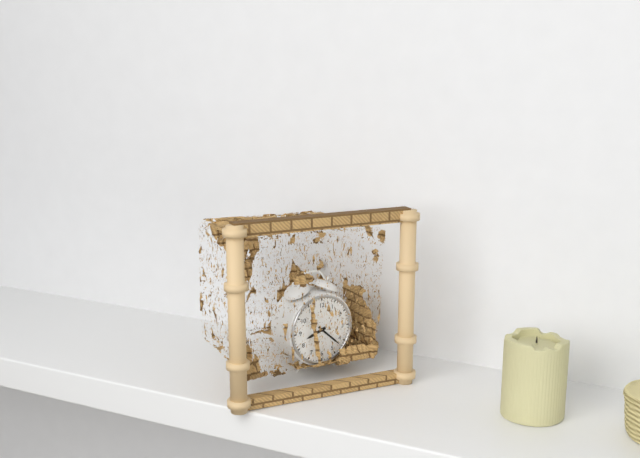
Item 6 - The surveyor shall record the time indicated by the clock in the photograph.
8:22
